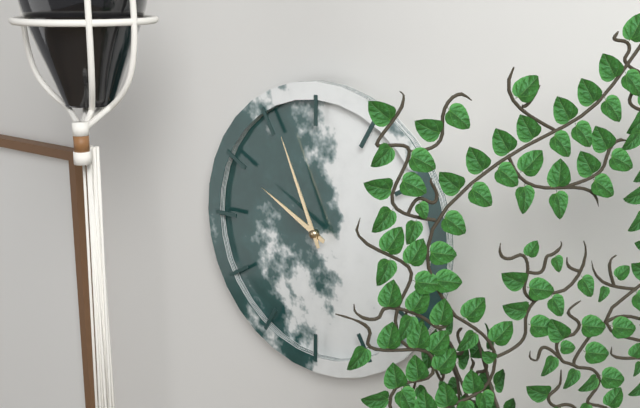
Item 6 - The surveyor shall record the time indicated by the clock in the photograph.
9:56
